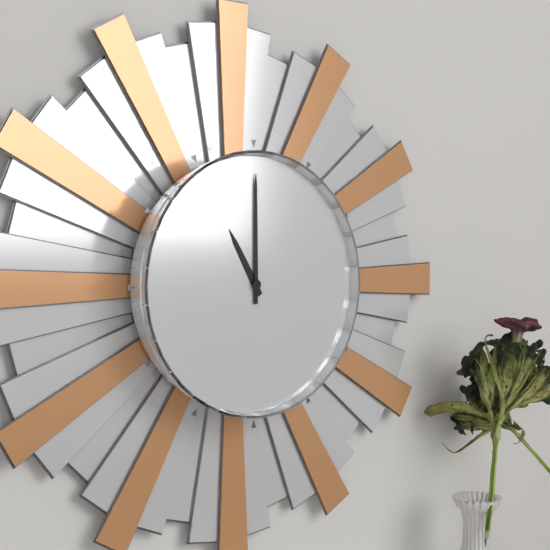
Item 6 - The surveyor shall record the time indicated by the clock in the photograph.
11:00
